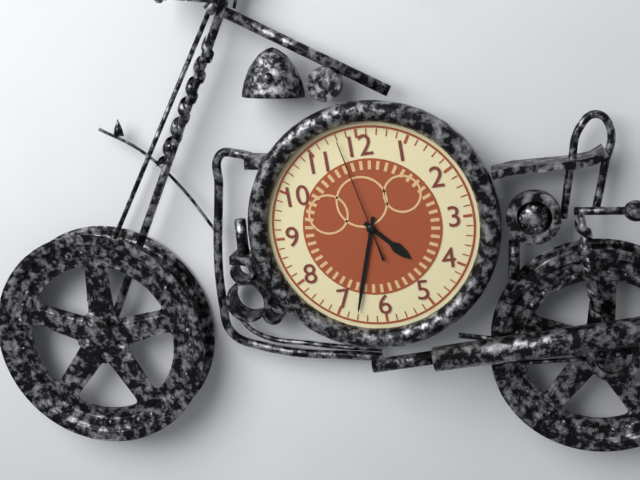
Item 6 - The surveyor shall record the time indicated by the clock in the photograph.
4:33:58
